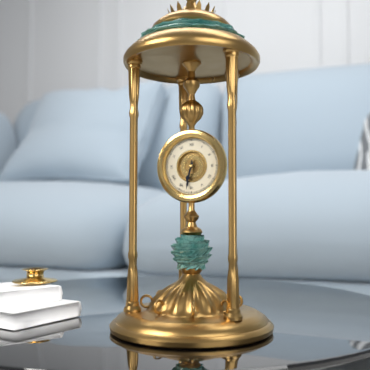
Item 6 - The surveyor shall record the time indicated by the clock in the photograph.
6:32
